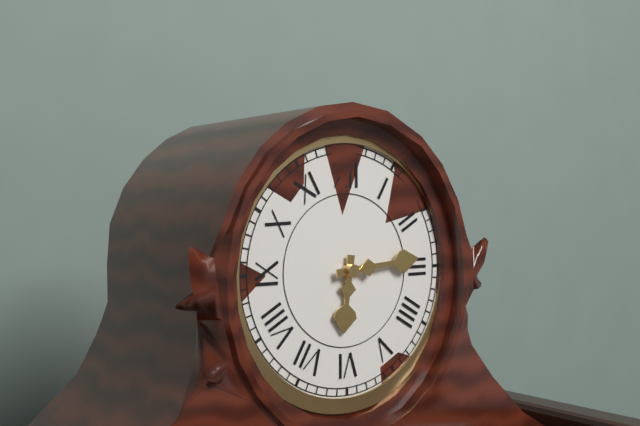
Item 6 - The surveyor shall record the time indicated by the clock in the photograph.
6:14
